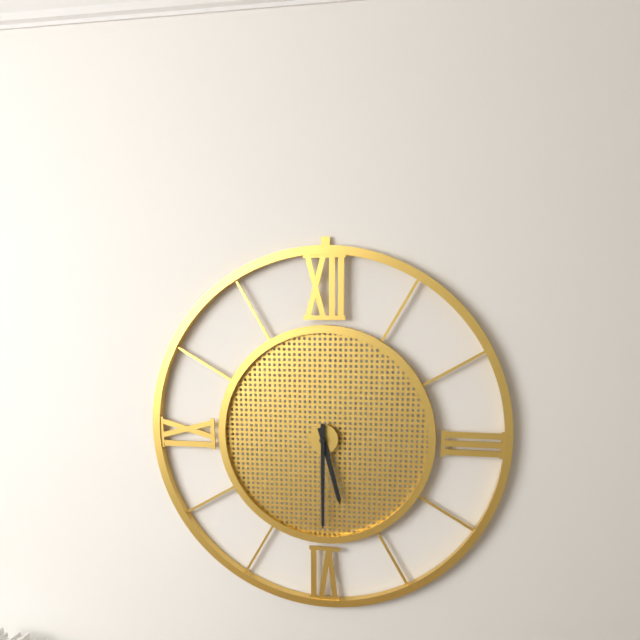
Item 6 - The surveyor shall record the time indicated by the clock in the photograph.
5:30
